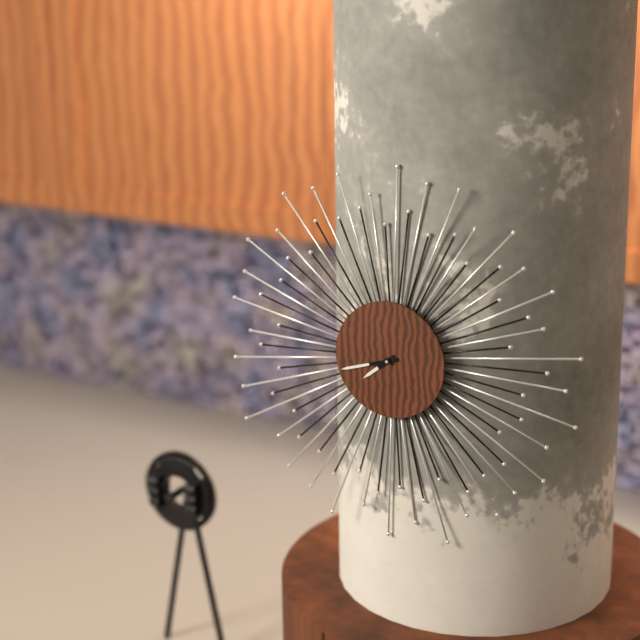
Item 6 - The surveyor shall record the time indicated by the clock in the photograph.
7:42
